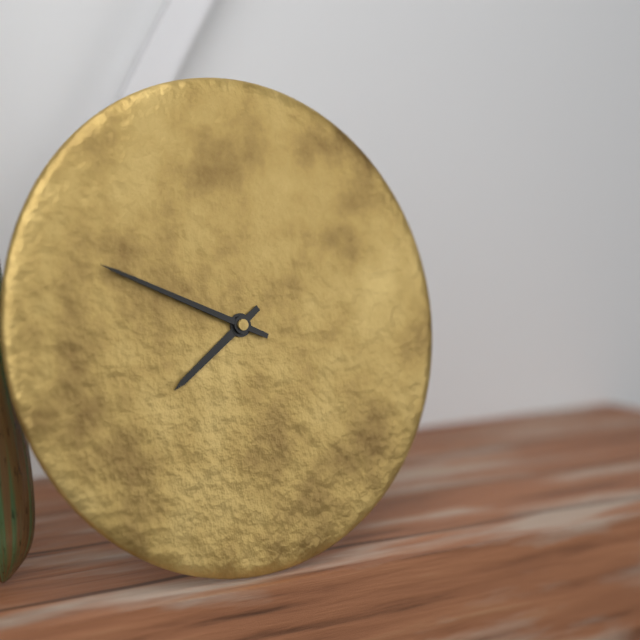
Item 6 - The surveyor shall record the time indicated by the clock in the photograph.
7:49
